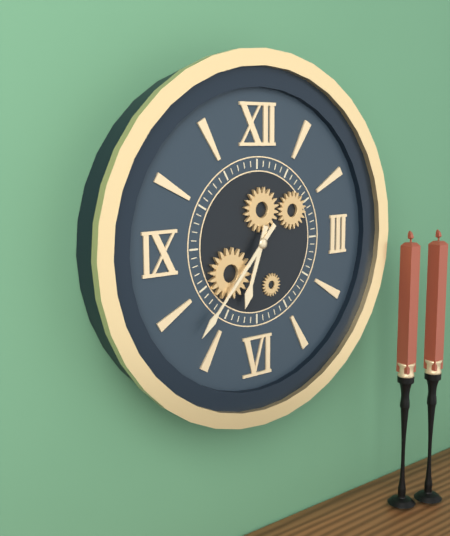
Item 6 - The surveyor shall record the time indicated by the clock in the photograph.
6:37
